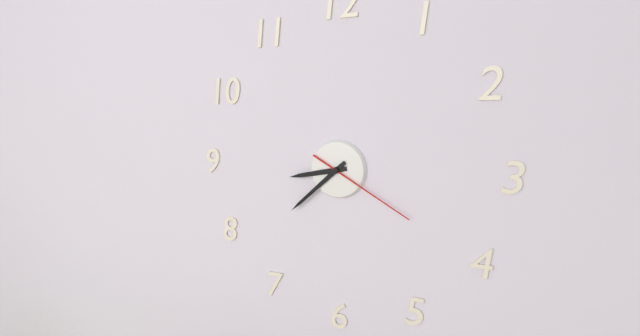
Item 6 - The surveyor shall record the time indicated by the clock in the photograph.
8:38:20
